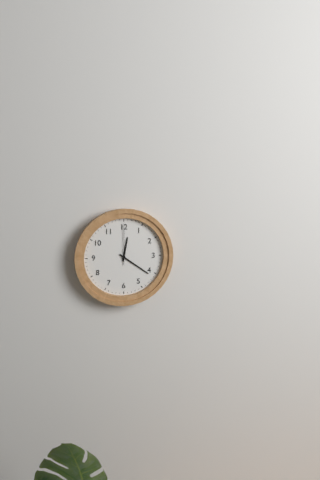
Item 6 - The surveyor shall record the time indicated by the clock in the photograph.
12:21
